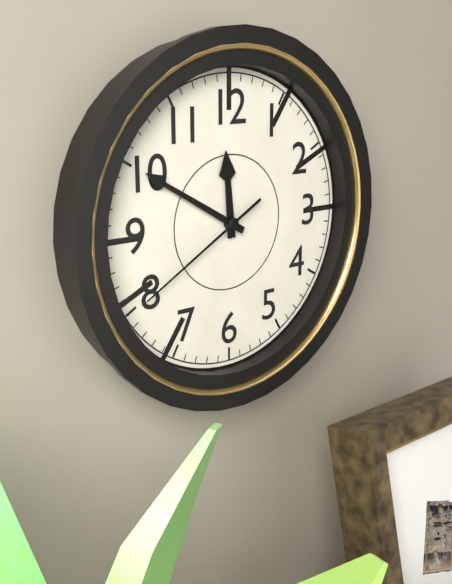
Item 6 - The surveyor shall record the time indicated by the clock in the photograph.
11:50:40
